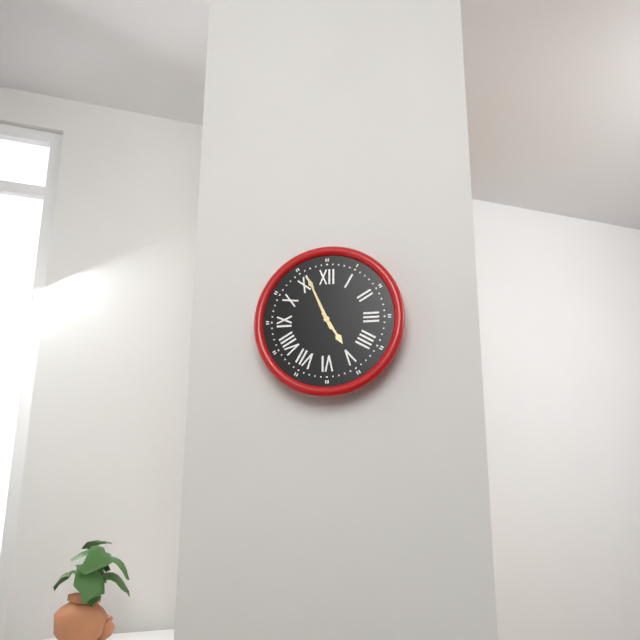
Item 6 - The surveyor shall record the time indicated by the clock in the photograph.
4:56
